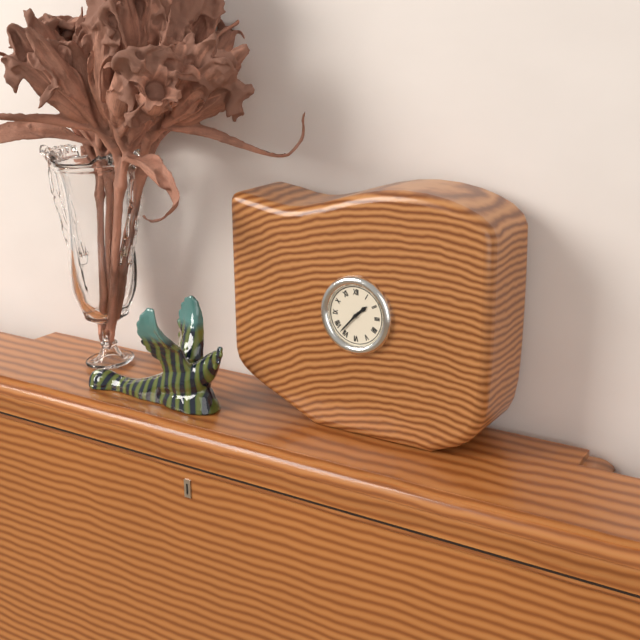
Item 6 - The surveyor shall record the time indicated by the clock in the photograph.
1:37
